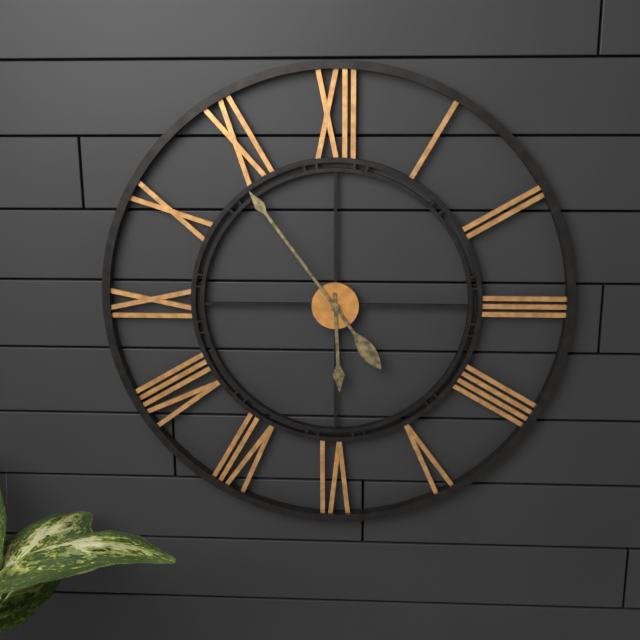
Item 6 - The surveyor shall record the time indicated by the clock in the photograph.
5:54
